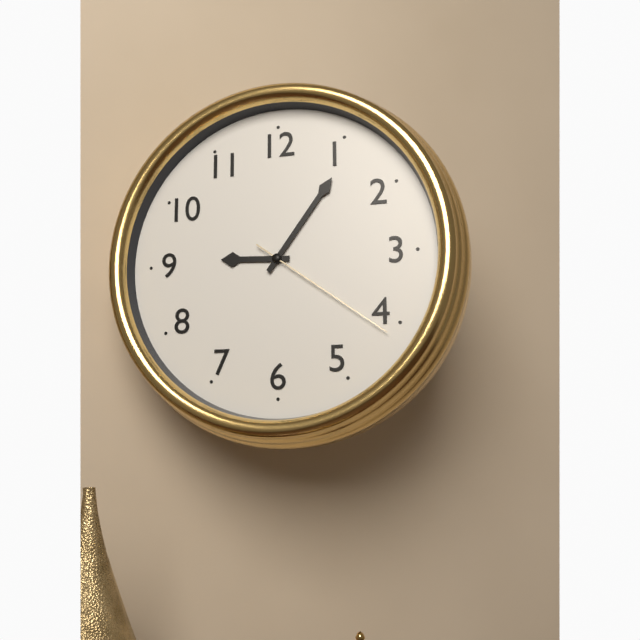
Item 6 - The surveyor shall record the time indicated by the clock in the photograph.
9:06:21
